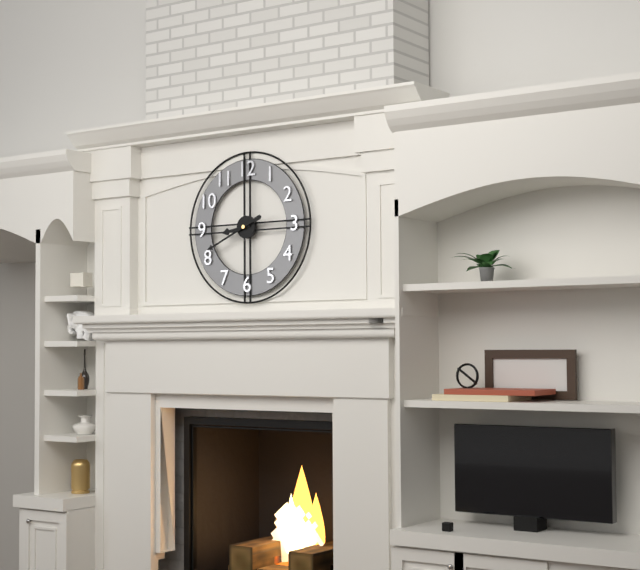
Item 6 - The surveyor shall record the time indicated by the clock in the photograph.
8:41
